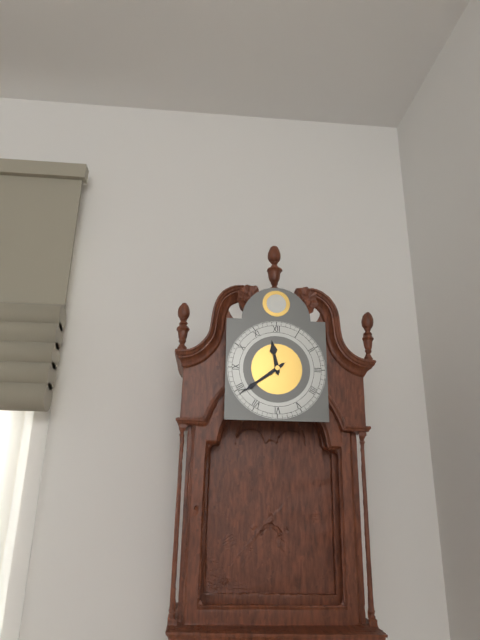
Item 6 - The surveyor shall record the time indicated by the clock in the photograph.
11:39
